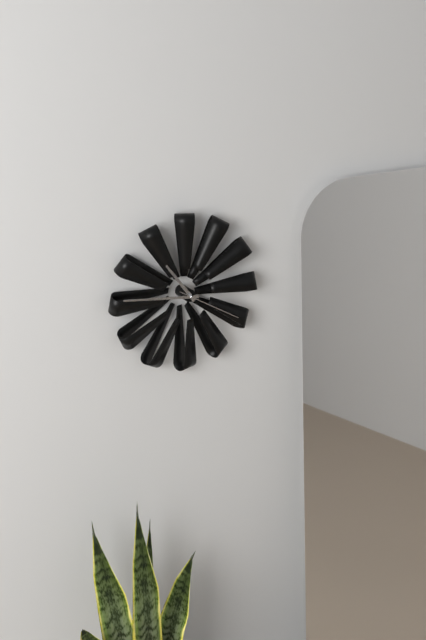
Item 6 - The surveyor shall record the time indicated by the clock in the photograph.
10:46:20
